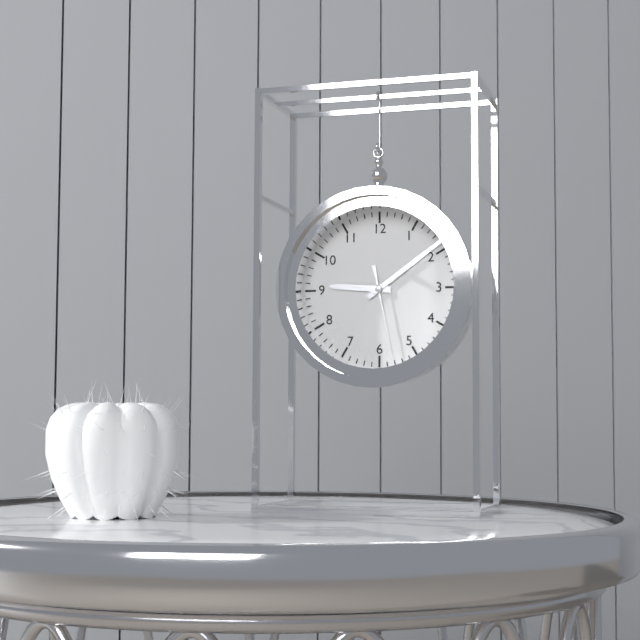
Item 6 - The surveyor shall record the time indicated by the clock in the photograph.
9:09:28
